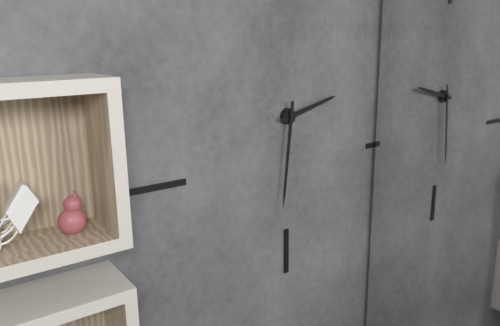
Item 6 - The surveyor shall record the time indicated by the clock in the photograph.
2:31
